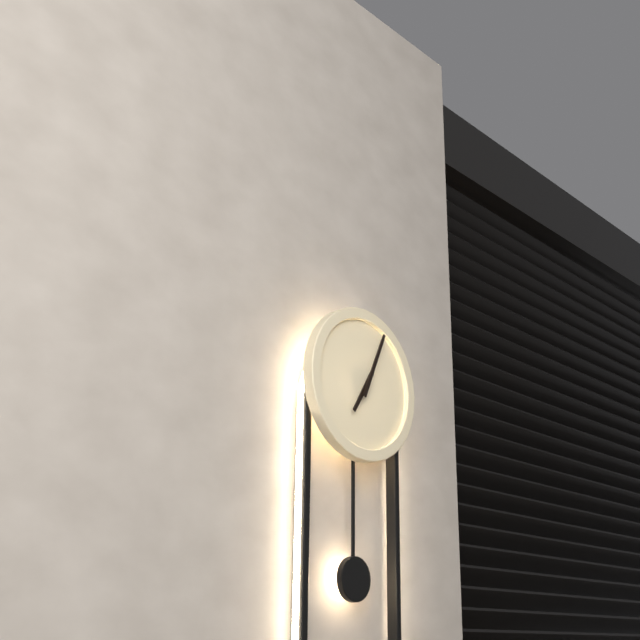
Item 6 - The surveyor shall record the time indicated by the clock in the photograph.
7:04
